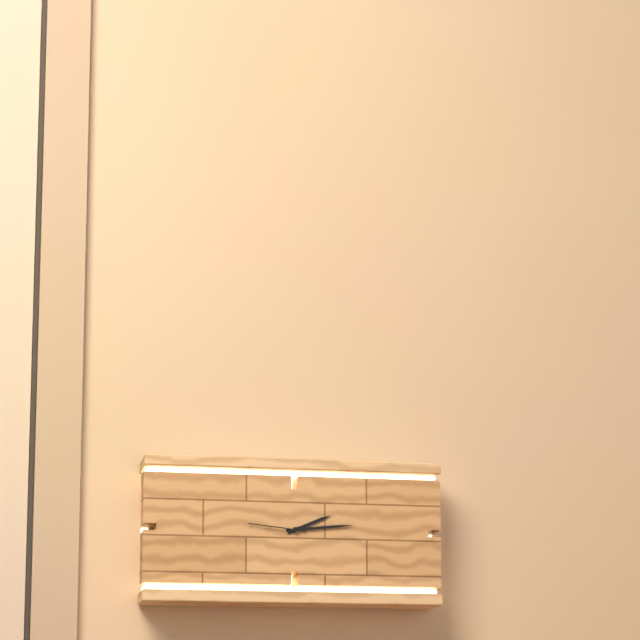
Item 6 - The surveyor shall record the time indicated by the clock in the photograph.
2:14
